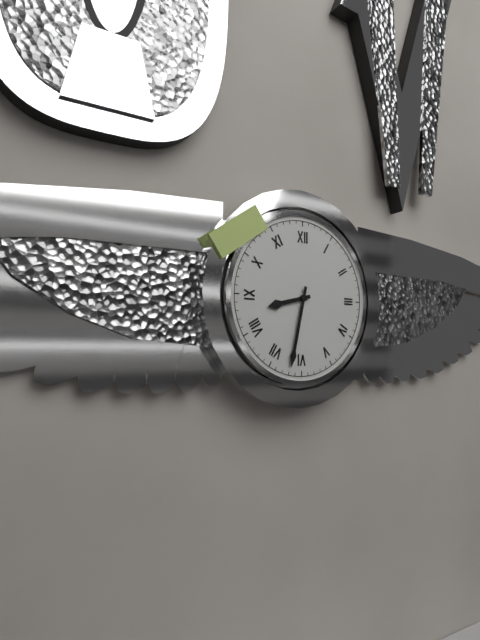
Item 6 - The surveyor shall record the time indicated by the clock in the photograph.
8:32
